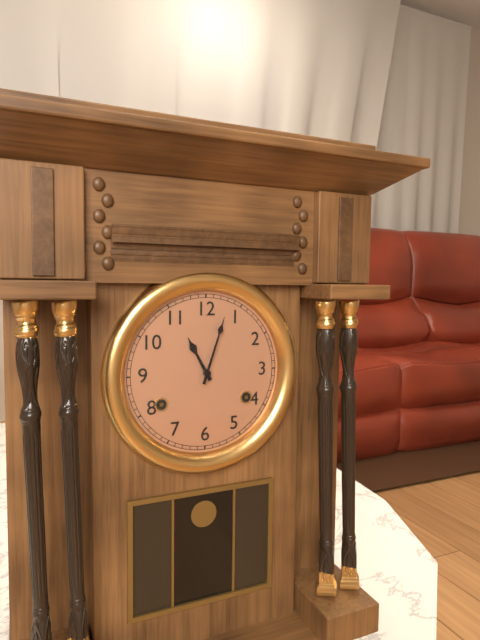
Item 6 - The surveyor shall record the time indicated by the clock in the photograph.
11:03
